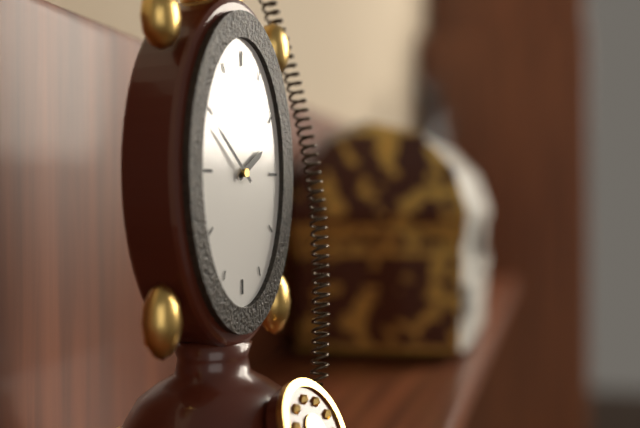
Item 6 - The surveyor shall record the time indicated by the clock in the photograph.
1:52
